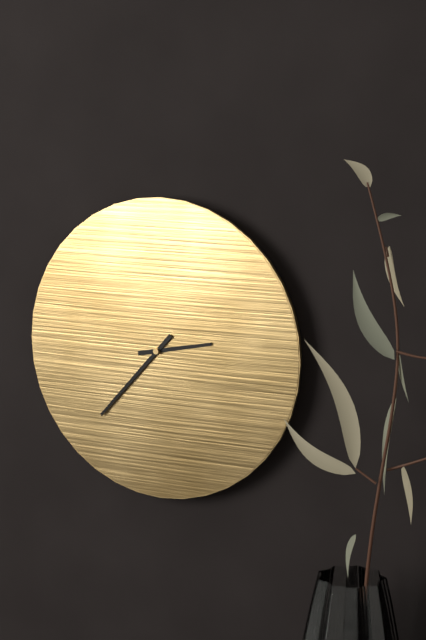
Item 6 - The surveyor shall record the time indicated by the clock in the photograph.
2:37
